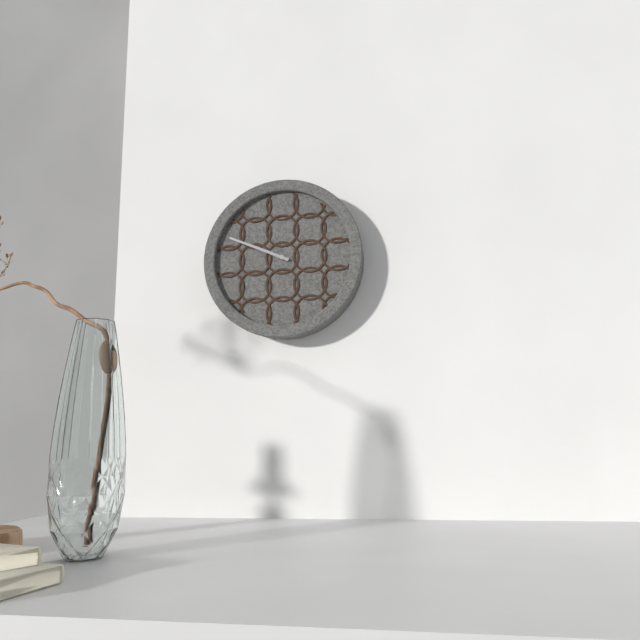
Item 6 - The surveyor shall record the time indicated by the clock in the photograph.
9:49
